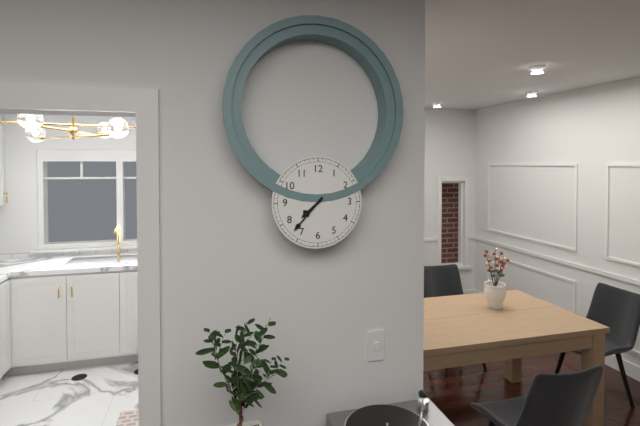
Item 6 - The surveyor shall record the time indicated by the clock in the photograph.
7:37
